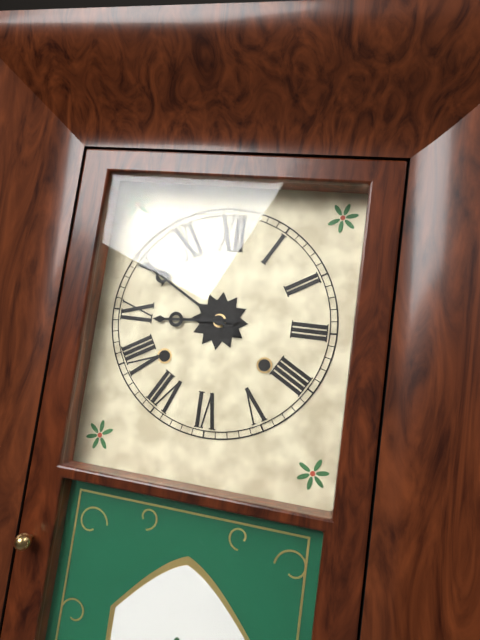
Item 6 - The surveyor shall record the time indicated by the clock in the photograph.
8:50
